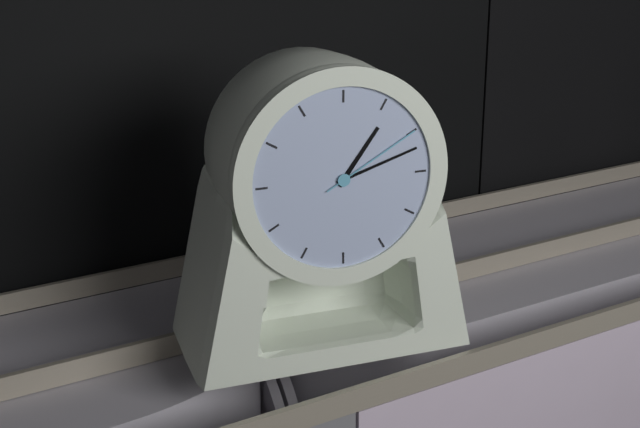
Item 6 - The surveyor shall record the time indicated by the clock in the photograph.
1:12:10
